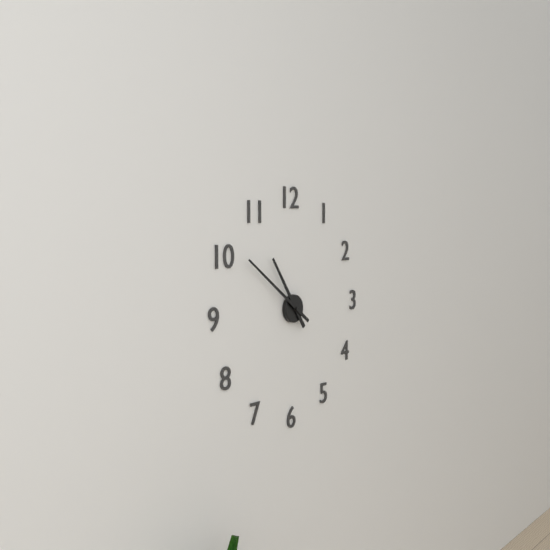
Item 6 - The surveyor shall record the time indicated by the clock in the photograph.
10:51
